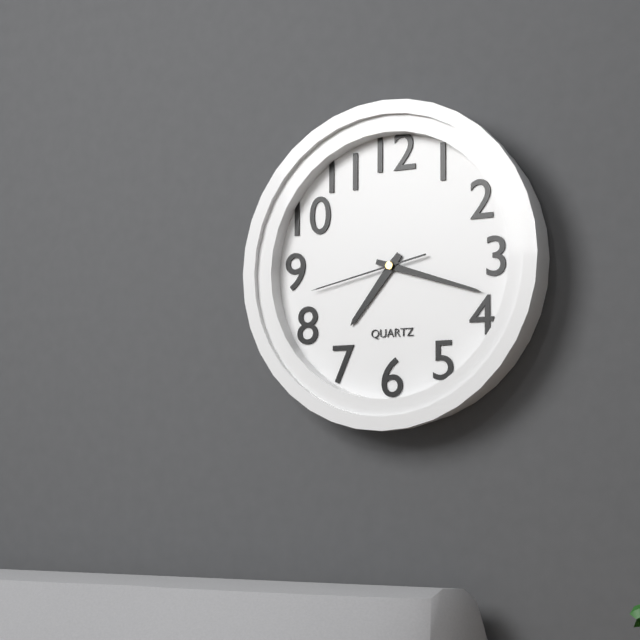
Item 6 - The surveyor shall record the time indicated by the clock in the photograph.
7:18:43
